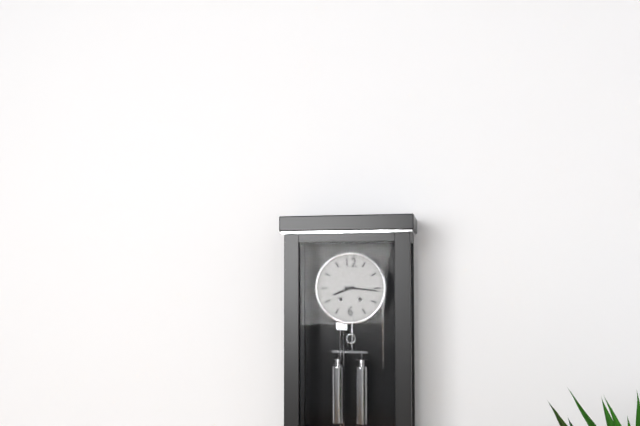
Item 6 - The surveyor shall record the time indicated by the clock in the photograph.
8:16
